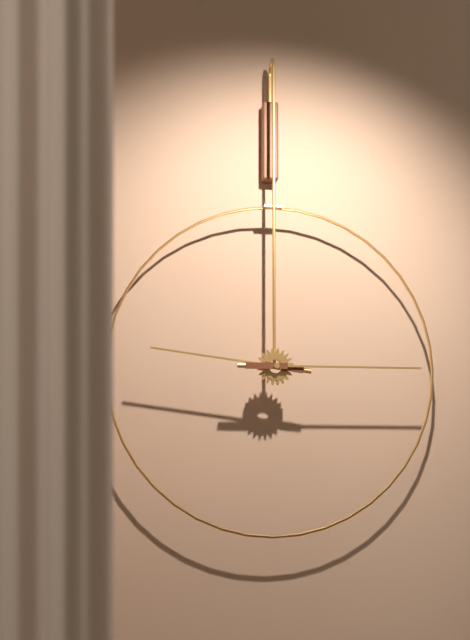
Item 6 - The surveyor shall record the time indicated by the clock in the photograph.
9:15
